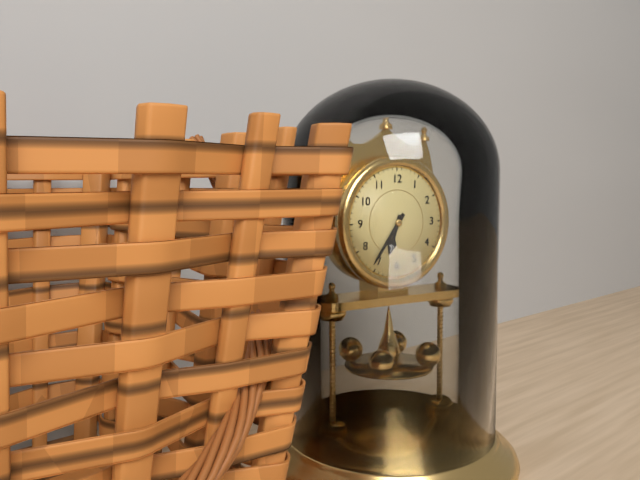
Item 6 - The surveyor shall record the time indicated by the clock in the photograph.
6:36
